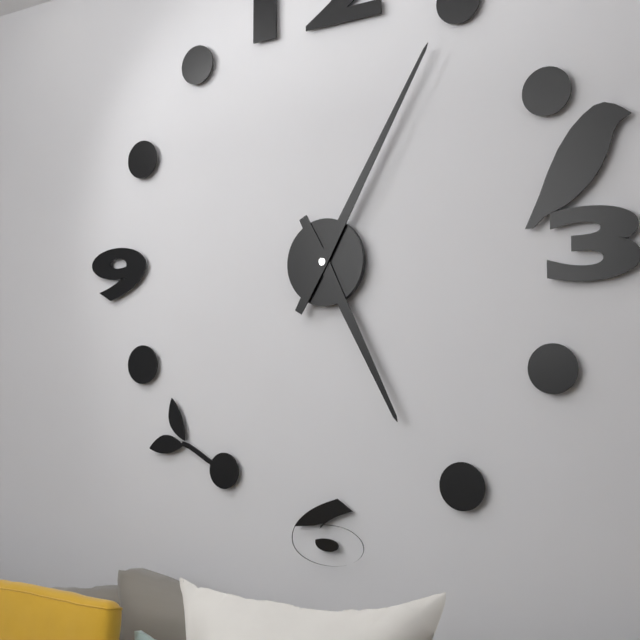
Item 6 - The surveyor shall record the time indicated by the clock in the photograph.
5:05
